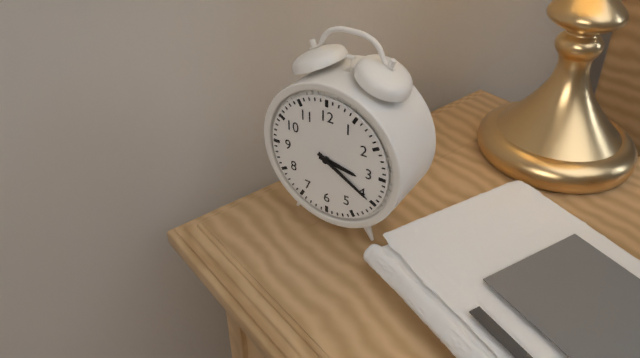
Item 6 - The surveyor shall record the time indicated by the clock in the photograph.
3:20
